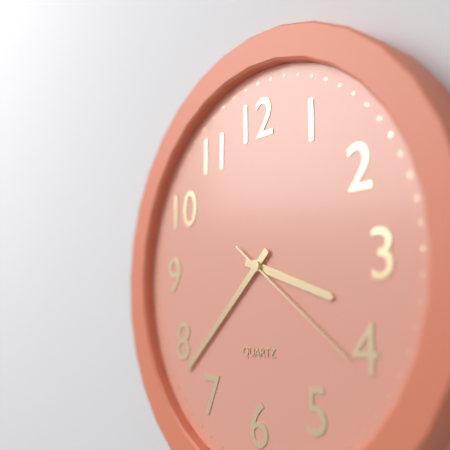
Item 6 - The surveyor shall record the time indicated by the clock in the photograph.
3:38:21
